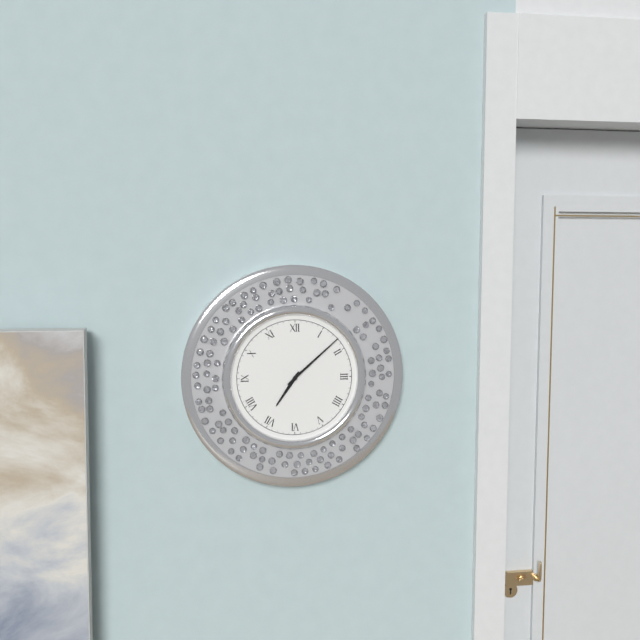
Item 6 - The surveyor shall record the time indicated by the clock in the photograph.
7:08
